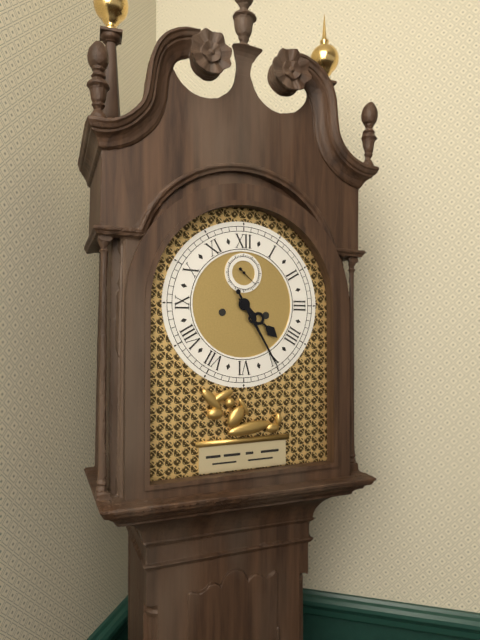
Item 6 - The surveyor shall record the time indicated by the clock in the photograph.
4:25
